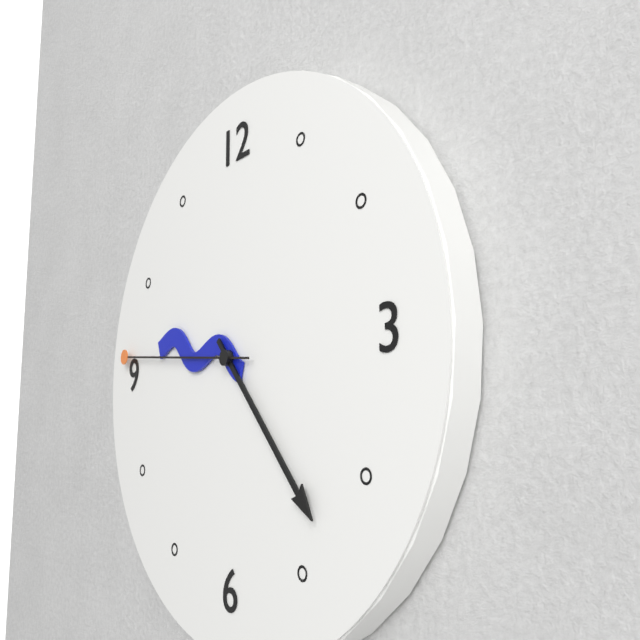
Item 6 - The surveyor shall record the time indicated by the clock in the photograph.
9:23:46
